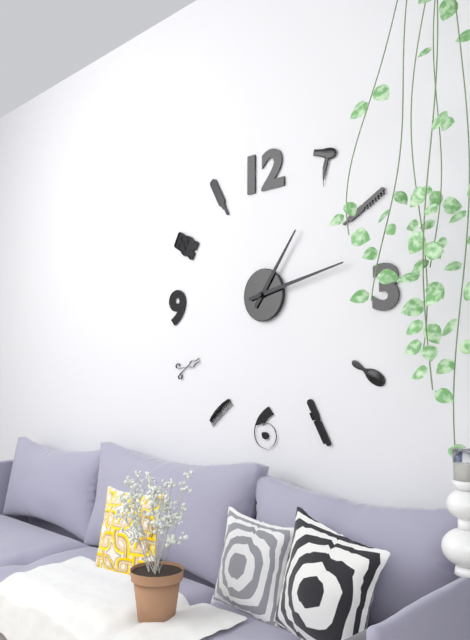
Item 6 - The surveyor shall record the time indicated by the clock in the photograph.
1:13
